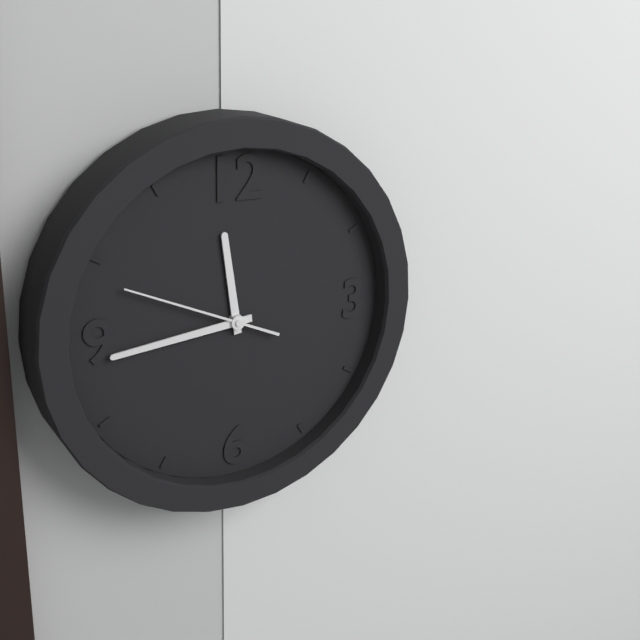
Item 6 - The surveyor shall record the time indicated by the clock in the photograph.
11:44:49
